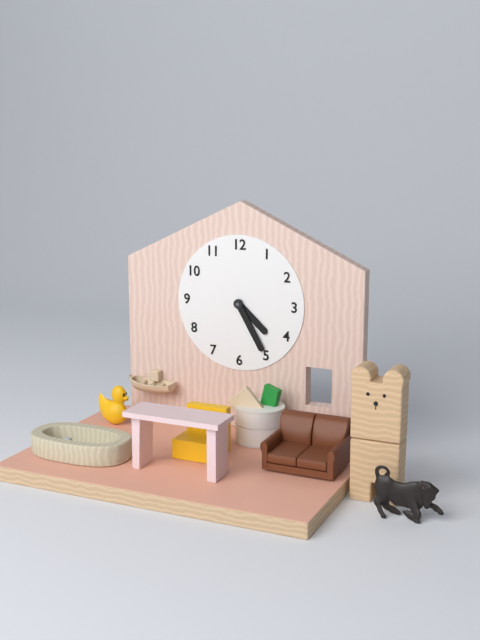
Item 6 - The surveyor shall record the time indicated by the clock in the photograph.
4:25
